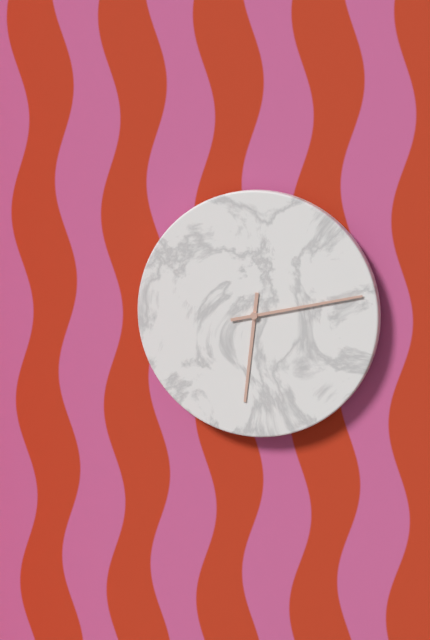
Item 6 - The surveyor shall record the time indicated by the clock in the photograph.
6:13
